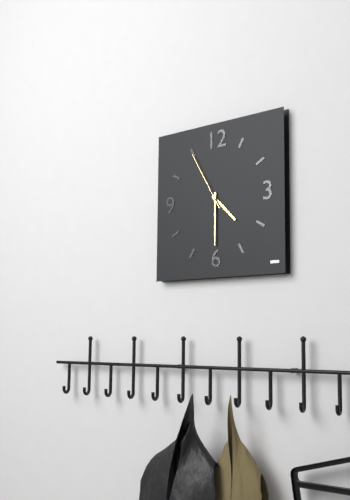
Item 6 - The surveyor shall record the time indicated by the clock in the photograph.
4:30:55
